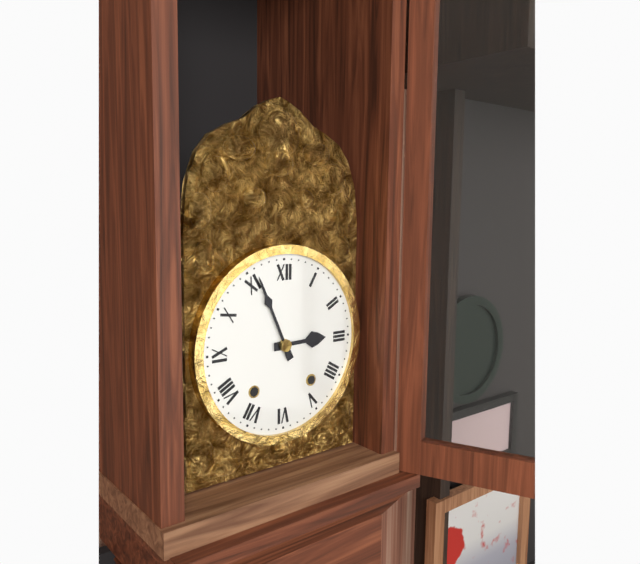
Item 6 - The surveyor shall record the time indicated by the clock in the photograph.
2:56
